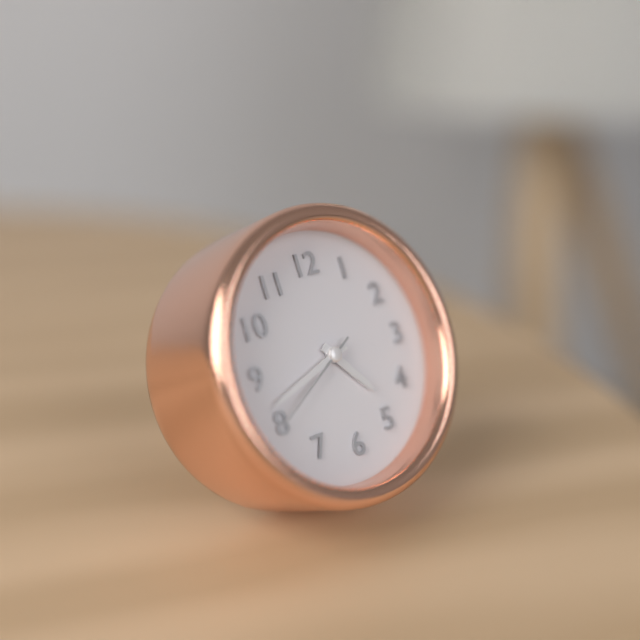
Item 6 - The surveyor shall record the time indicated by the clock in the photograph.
4:42:40
